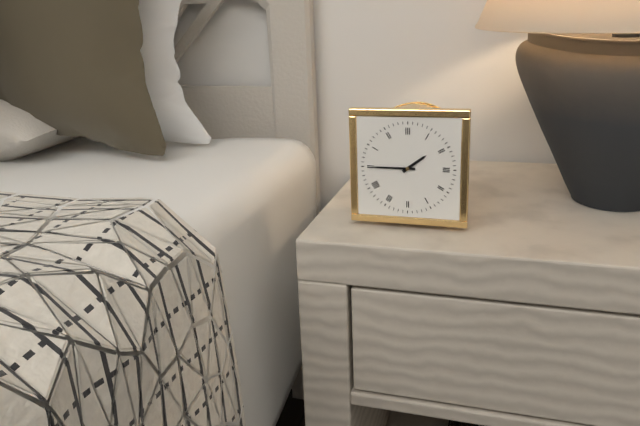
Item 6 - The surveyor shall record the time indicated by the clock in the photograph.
1:45
